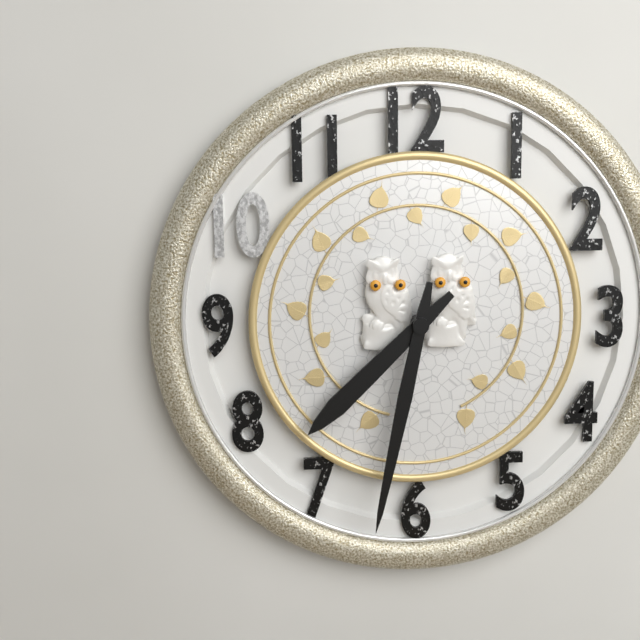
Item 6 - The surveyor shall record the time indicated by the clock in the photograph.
7:32
